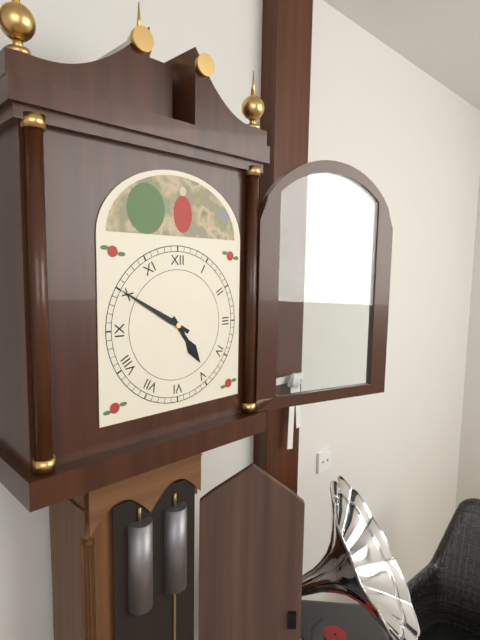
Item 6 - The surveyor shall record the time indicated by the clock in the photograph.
4:50
